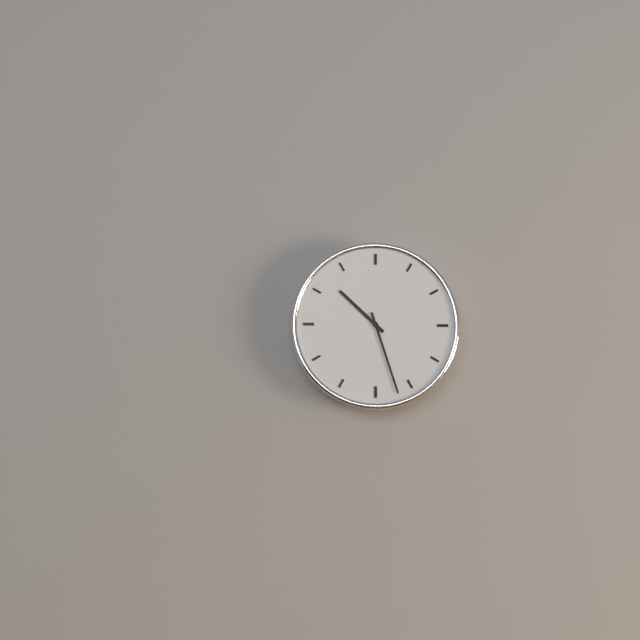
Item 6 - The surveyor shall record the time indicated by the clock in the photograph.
10:27
